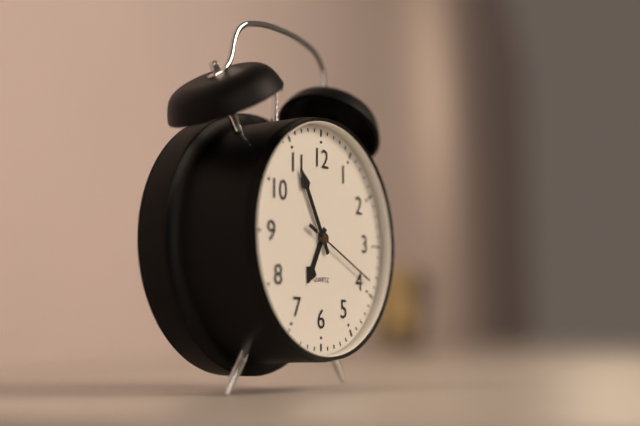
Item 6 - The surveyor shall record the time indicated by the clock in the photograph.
6:55:19
